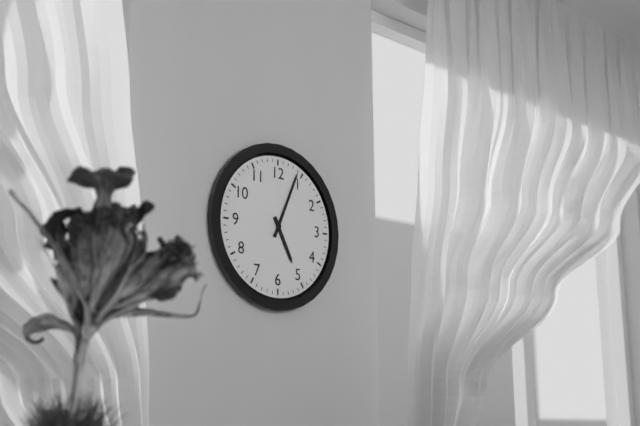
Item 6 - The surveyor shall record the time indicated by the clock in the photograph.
5:04
